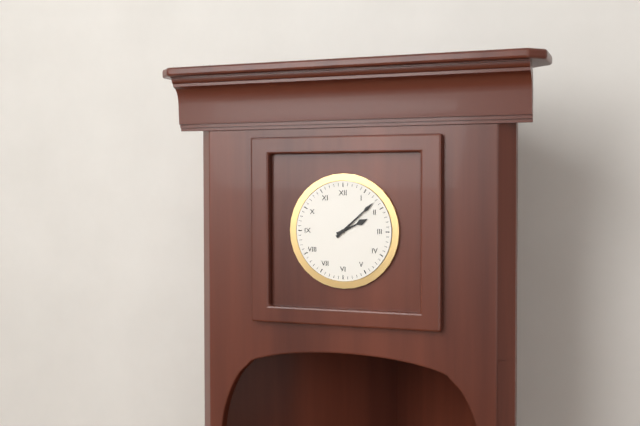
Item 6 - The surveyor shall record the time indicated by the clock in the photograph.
2:08
